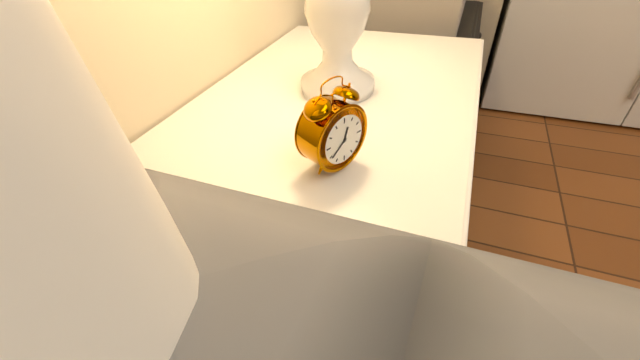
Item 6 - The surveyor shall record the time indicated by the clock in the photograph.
12:39
